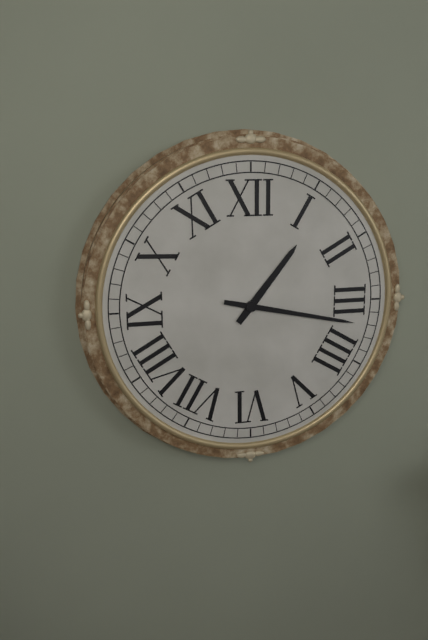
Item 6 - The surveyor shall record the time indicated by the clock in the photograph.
1:17
